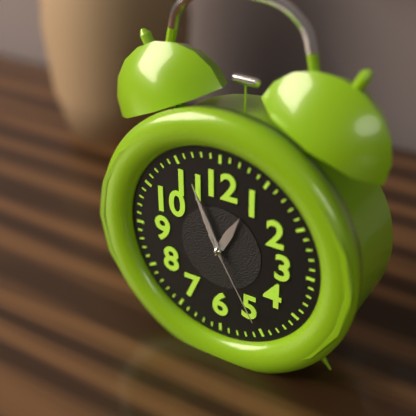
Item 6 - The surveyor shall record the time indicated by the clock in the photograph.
12:56:25
